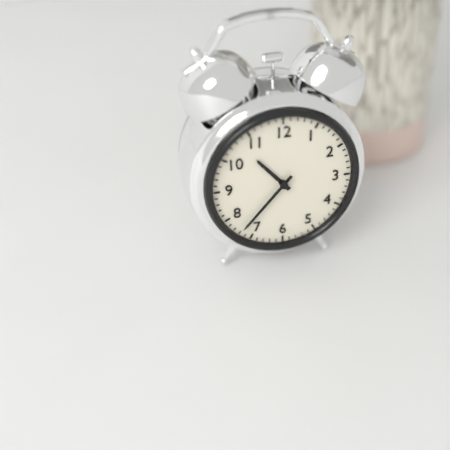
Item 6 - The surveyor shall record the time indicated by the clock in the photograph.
10:37
